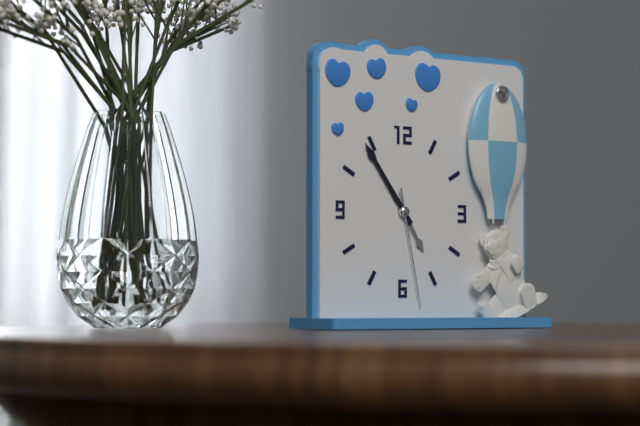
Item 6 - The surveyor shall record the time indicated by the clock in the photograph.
4:54:28
